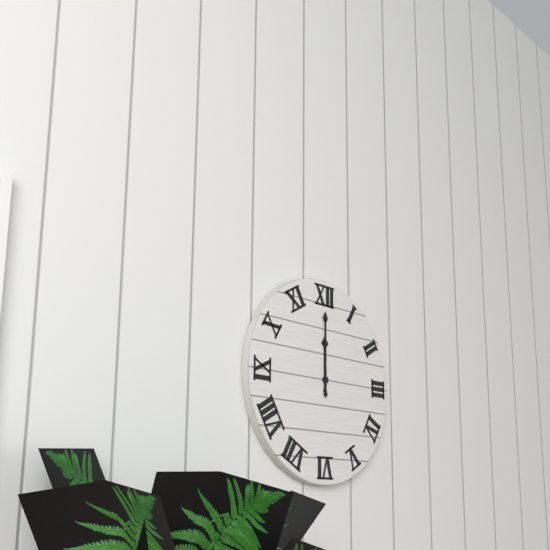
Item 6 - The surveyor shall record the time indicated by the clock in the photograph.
12:00
